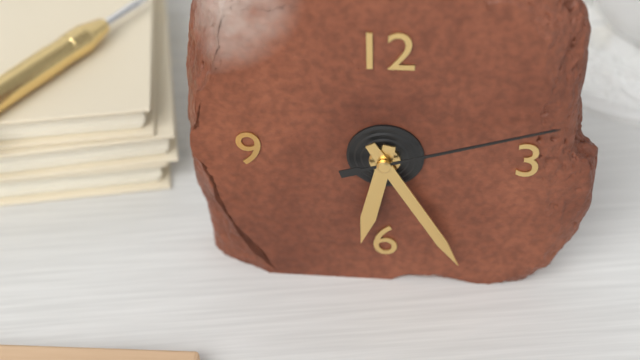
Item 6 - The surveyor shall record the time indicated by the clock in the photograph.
6:25:12
